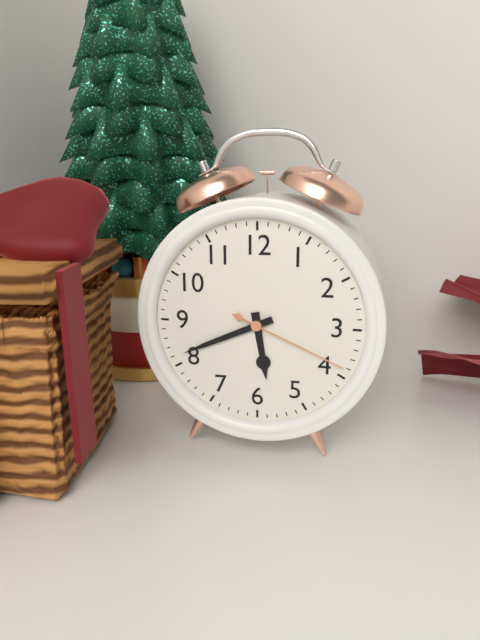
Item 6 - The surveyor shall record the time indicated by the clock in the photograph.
5:41:19
